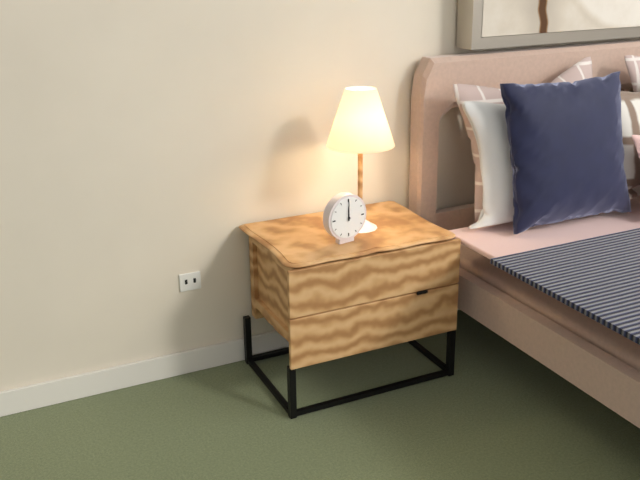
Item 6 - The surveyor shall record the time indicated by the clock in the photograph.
12:00
